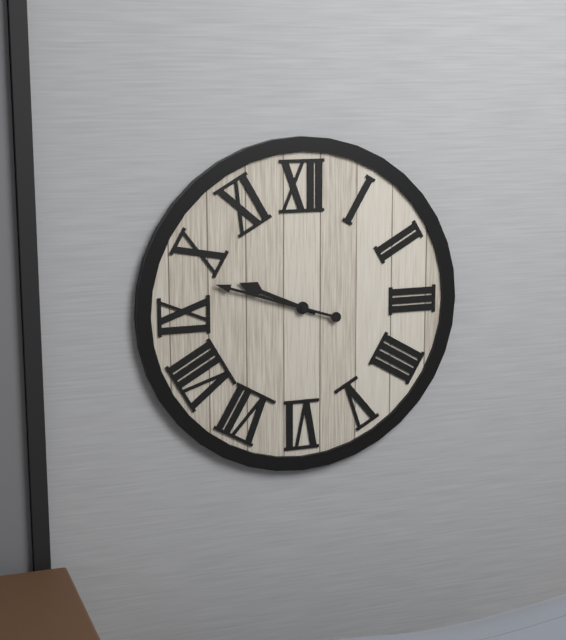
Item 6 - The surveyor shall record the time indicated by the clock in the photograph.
9:48
